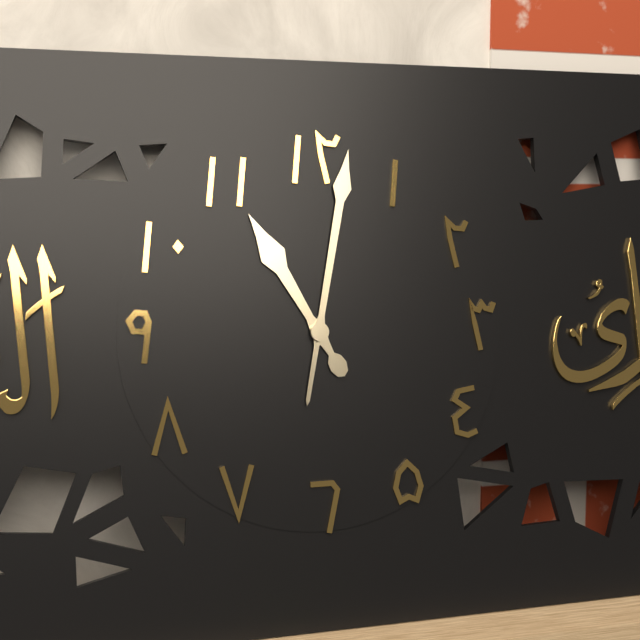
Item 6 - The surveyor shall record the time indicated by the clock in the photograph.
11:02
